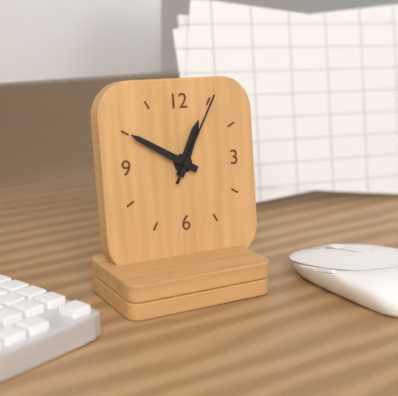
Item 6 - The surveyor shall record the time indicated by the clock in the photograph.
12:50:05
